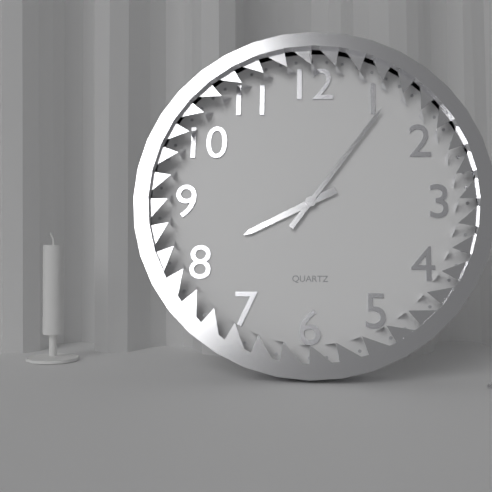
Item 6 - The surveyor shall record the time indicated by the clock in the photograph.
8:06
